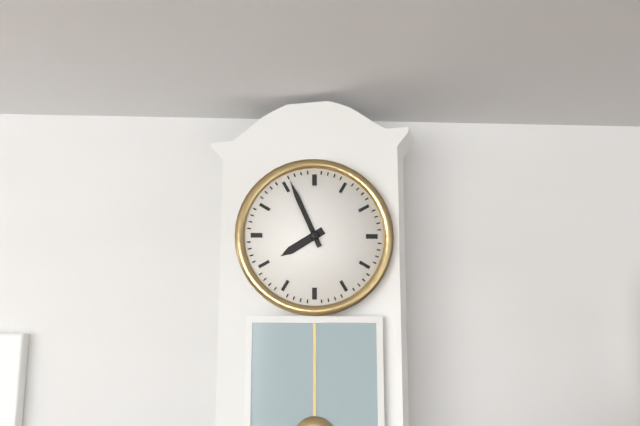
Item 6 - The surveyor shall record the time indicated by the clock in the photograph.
7:56
